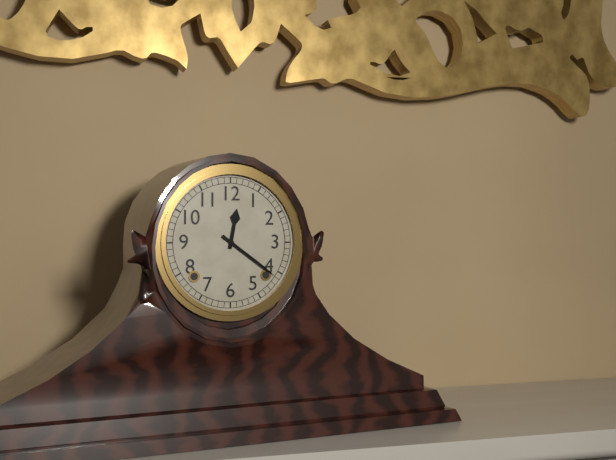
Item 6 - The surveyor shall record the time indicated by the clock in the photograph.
12:21
